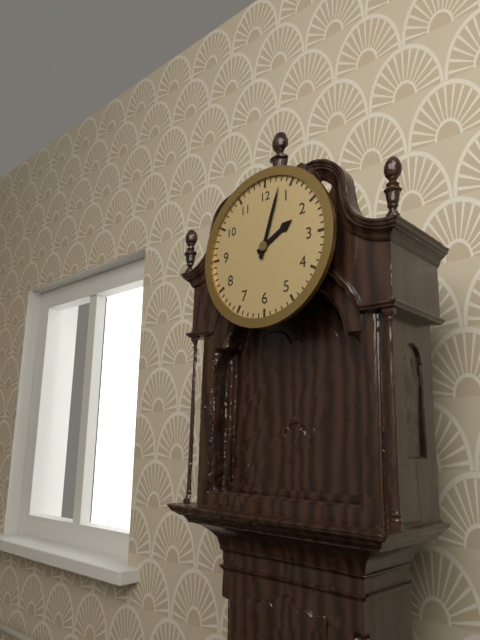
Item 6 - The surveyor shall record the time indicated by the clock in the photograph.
2:03
